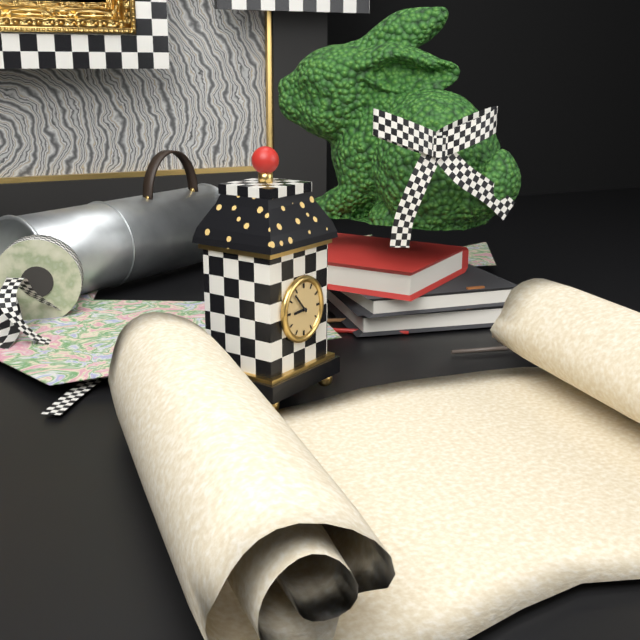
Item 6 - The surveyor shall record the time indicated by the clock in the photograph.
8:53
